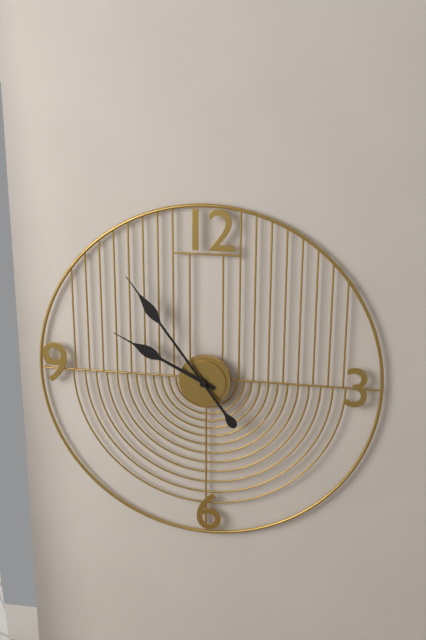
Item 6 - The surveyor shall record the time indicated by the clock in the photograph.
9:54
